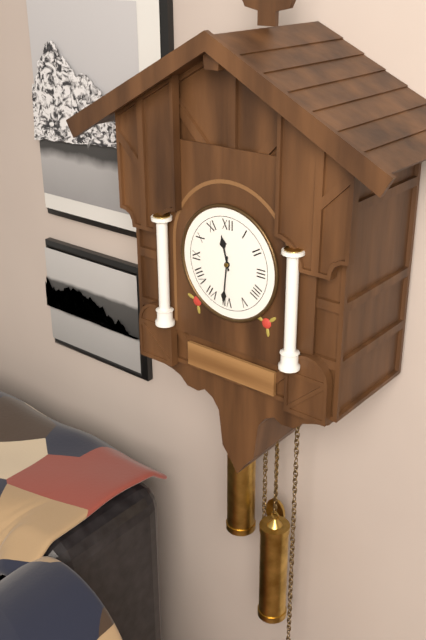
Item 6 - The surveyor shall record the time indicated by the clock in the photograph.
11:31
